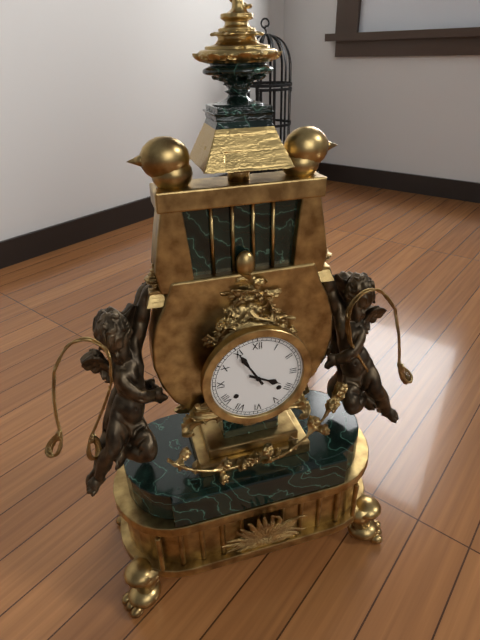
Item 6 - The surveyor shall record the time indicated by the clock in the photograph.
3:55
